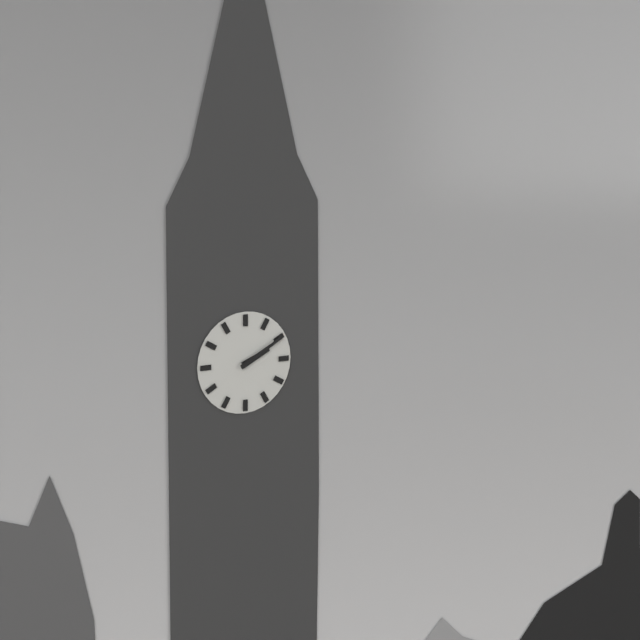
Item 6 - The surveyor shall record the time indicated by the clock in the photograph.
2:10
